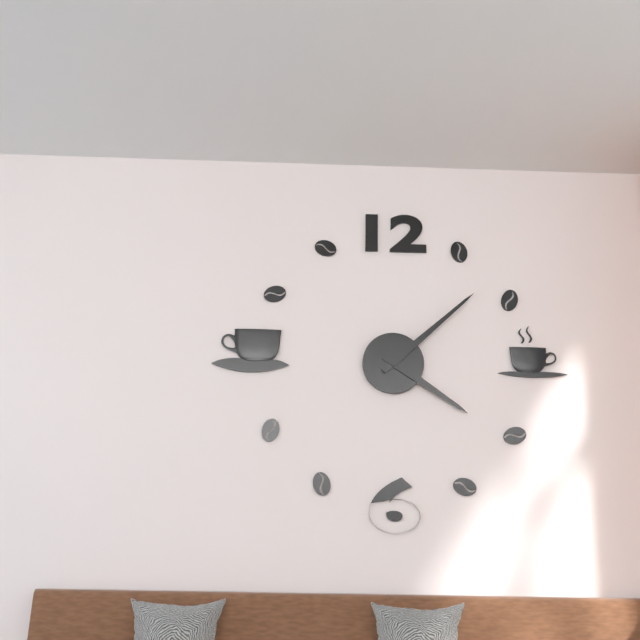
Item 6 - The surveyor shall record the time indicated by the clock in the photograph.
4:08
